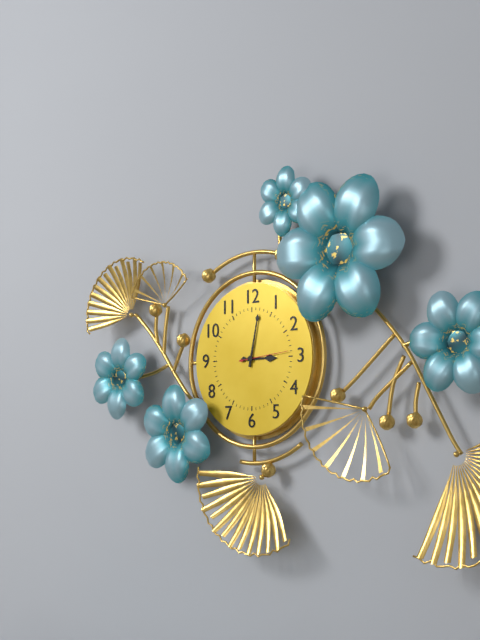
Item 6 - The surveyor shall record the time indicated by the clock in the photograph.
3:02
